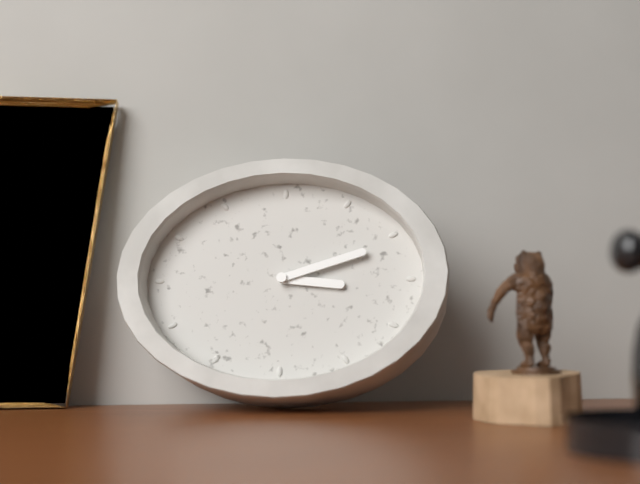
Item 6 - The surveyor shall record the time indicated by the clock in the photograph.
3:12
